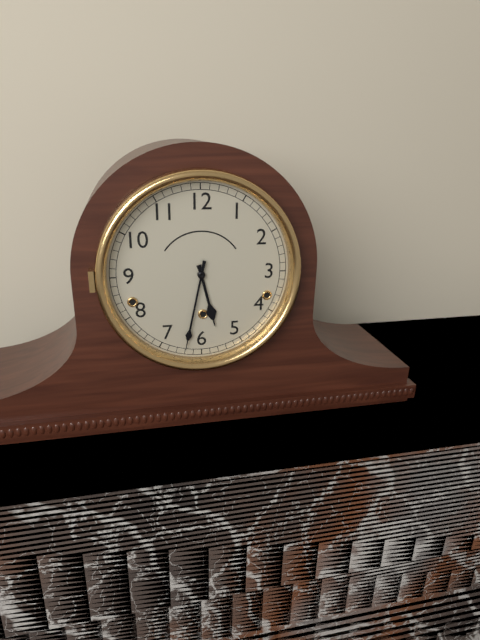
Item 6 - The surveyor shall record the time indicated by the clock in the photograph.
5:32
